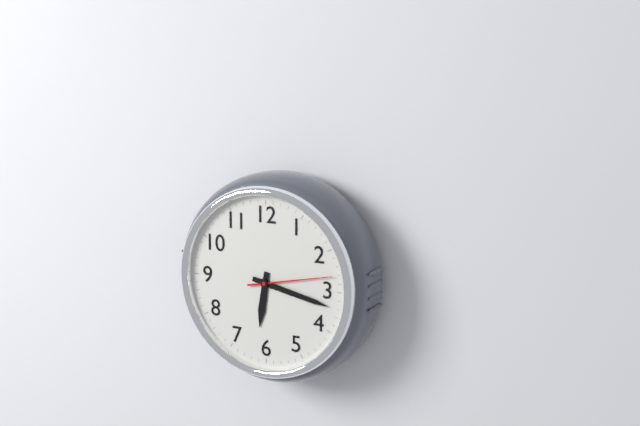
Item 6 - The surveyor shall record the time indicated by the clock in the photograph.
6:17
